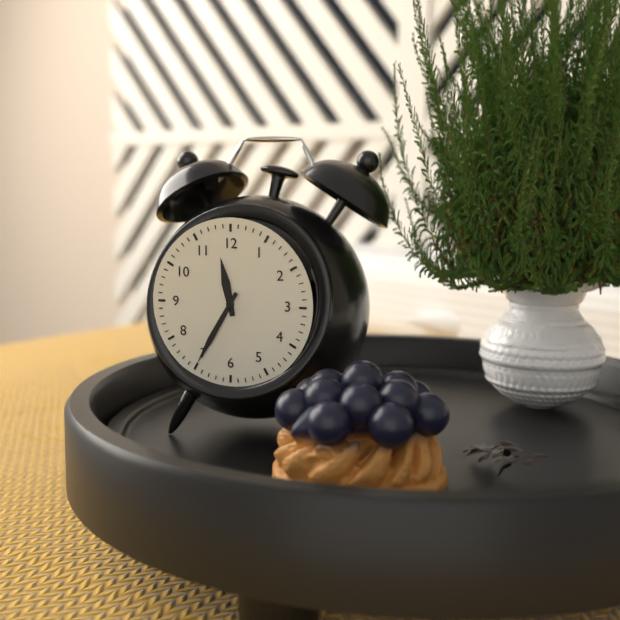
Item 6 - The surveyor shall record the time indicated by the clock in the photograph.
11:35
